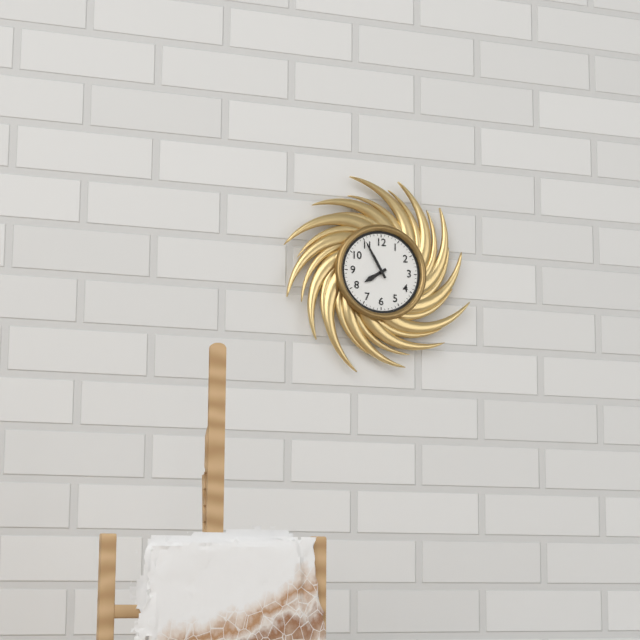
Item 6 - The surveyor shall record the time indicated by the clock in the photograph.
7:55
